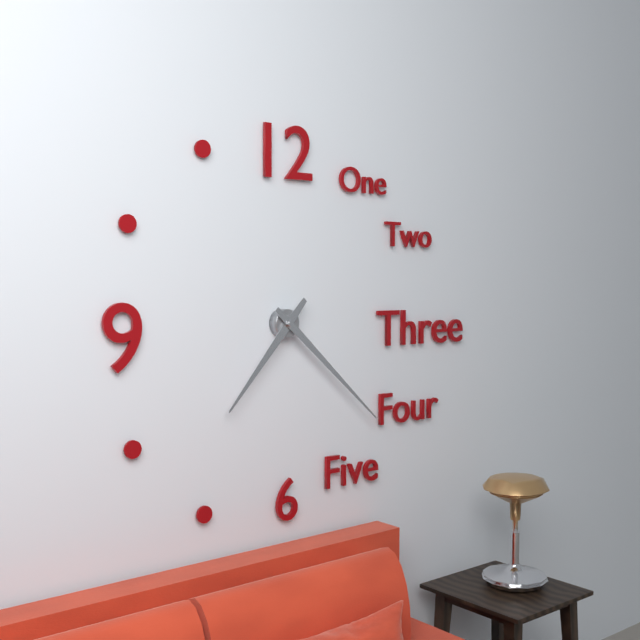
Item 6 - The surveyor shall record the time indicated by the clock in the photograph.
7:22
